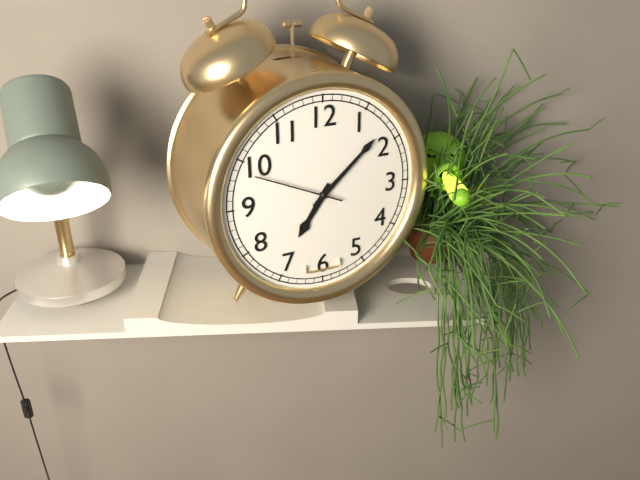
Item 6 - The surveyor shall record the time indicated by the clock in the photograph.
7:08:49
